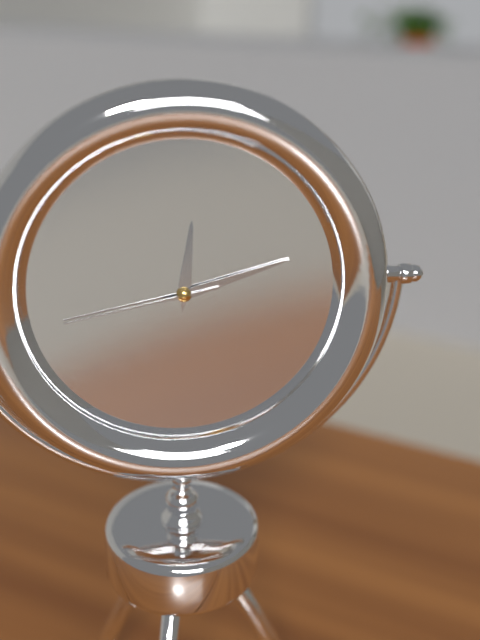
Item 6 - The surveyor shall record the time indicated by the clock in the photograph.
12:12:43
